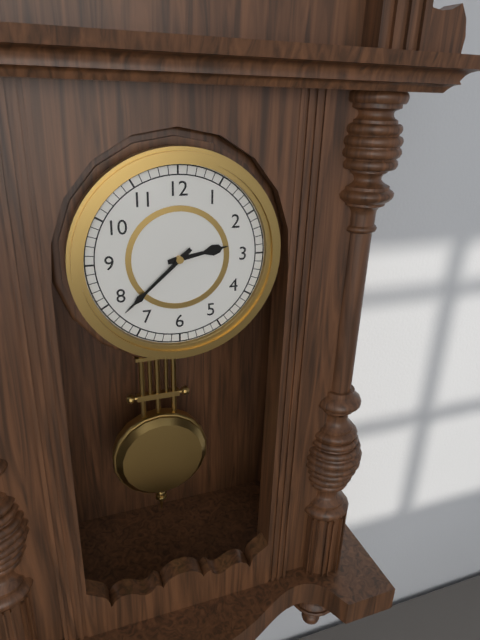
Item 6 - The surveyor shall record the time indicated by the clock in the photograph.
2:38
